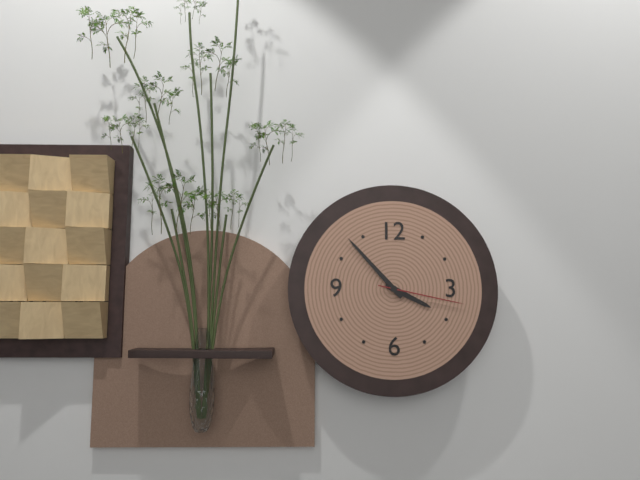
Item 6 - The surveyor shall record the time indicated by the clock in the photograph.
3:53:17
